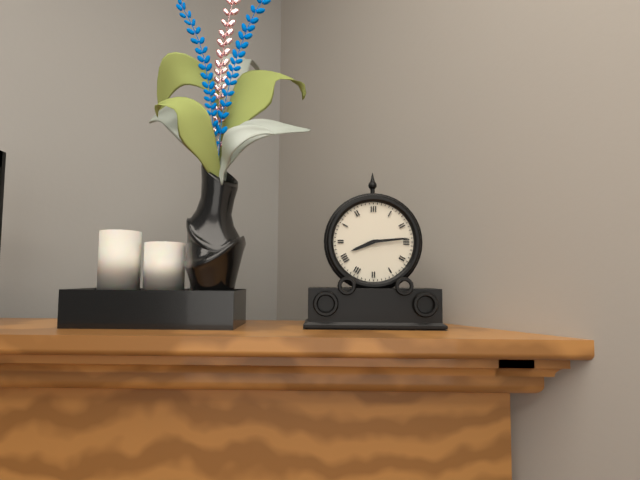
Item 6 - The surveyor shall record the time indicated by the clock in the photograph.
8:14
